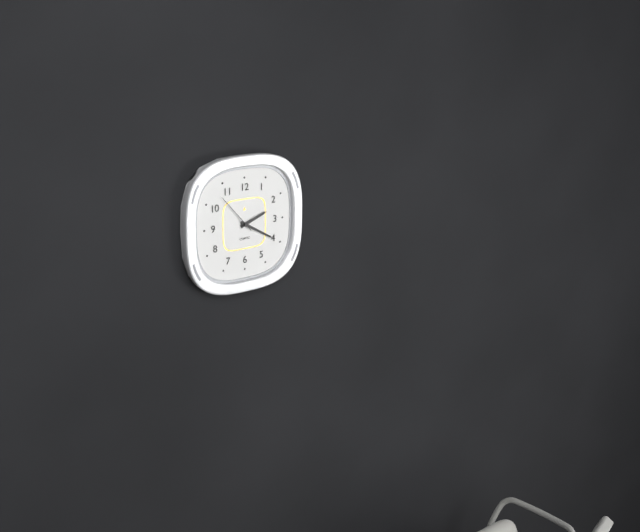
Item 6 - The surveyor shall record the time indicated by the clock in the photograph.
2:20
